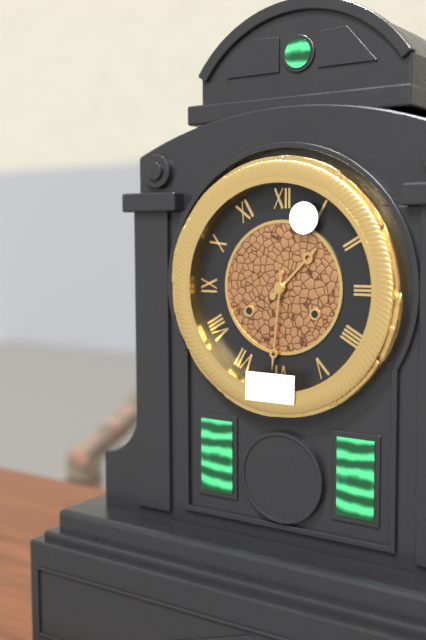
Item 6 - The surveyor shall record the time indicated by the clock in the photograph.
1:31
